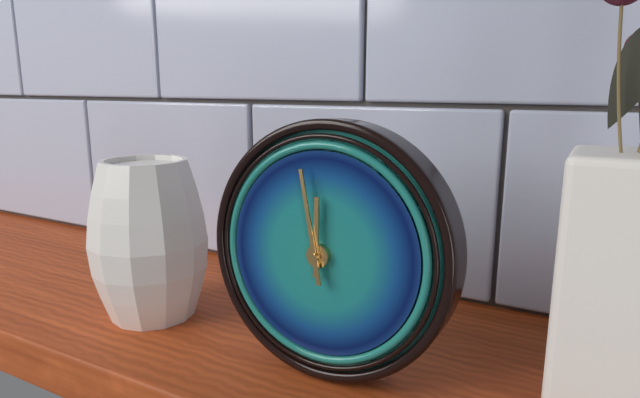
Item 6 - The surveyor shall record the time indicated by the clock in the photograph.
11:58
